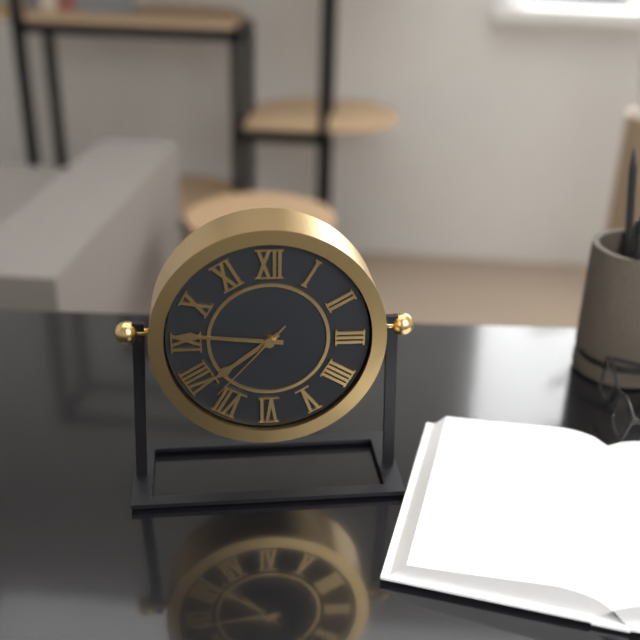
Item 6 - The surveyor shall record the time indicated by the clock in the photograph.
7:46:37
